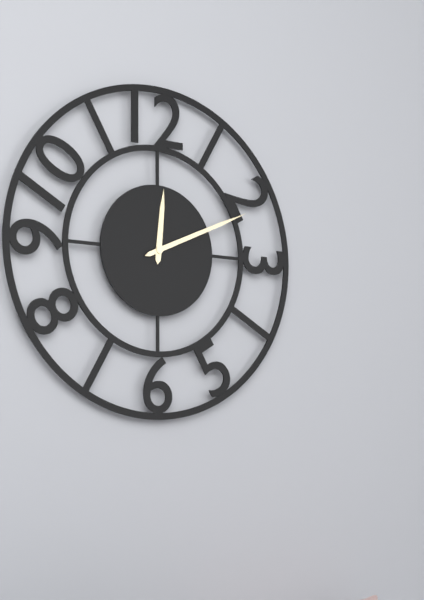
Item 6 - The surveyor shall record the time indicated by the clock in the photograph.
12:11
